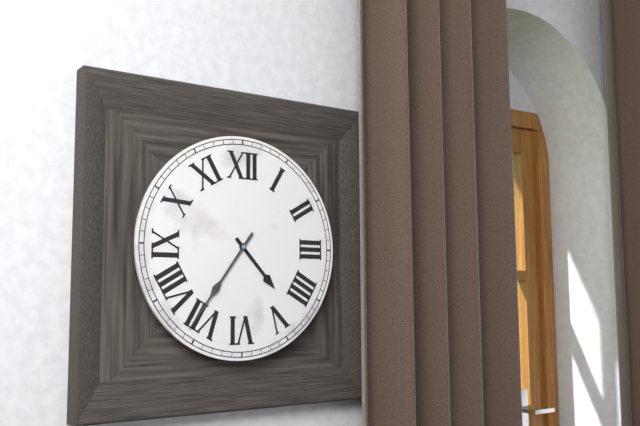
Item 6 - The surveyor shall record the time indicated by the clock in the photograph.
4:36
